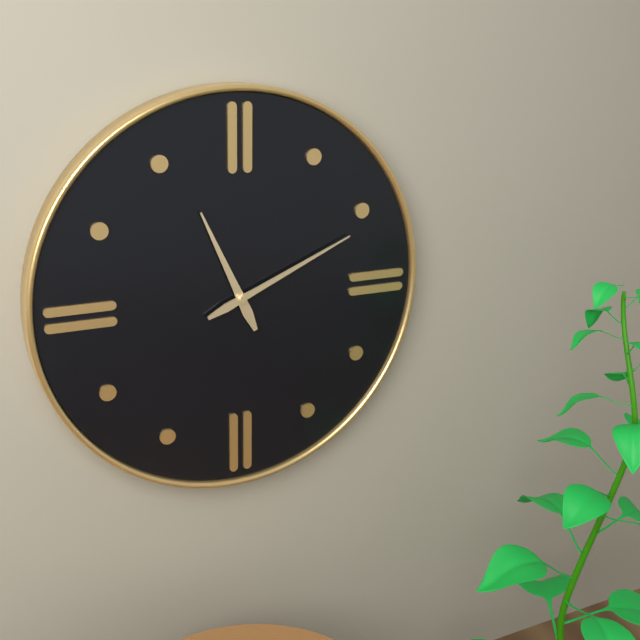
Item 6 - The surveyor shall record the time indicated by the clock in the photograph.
11:11
